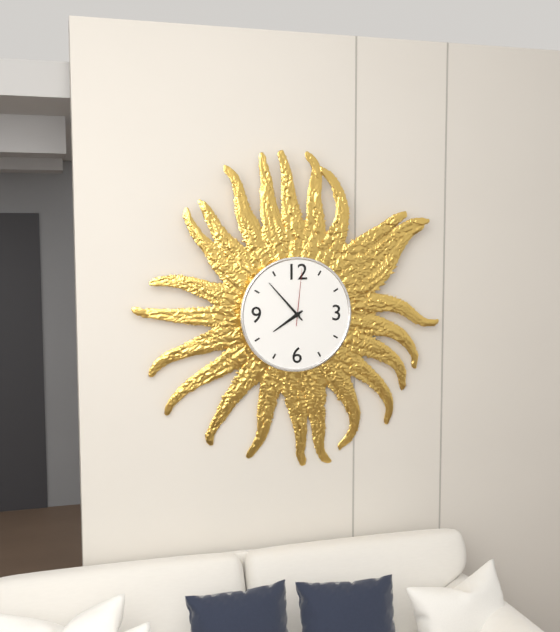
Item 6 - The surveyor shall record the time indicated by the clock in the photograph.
7:53:01
